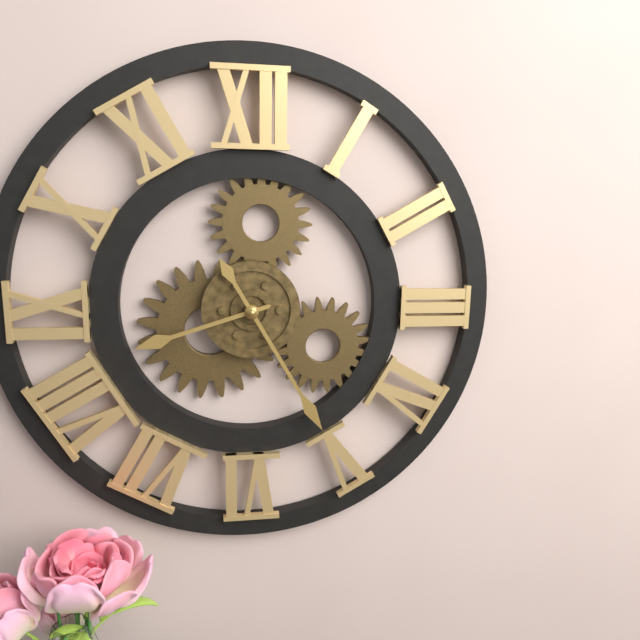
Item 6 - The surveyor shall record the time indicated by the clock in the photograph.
8:25
